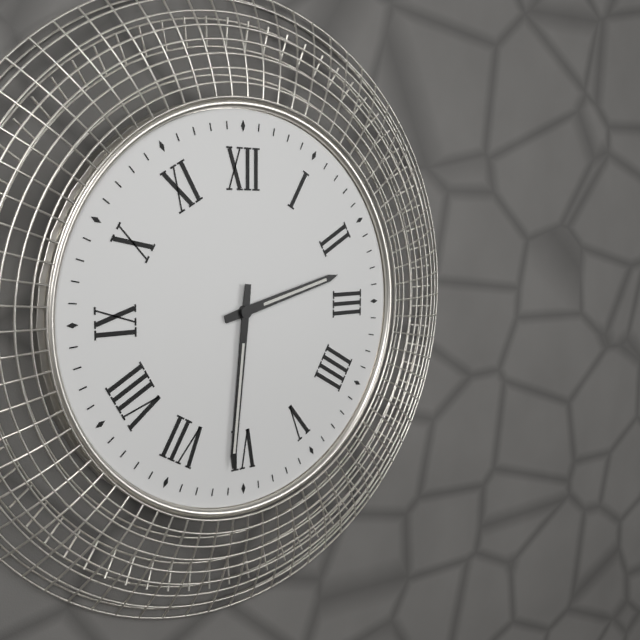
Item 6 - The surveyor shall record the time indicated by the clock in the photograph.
2:31
